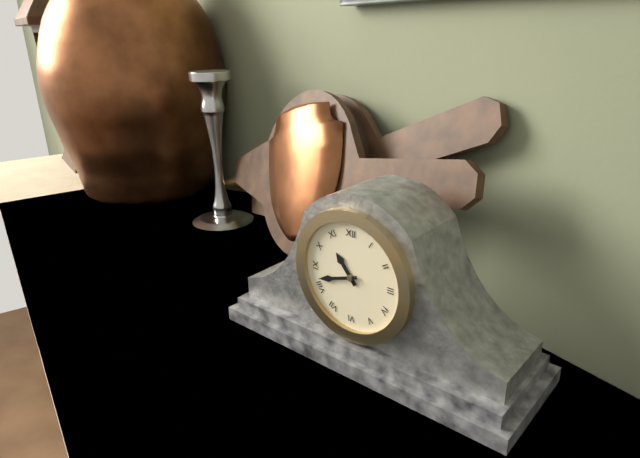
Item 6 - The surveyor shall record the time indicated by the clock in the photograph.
10:42
